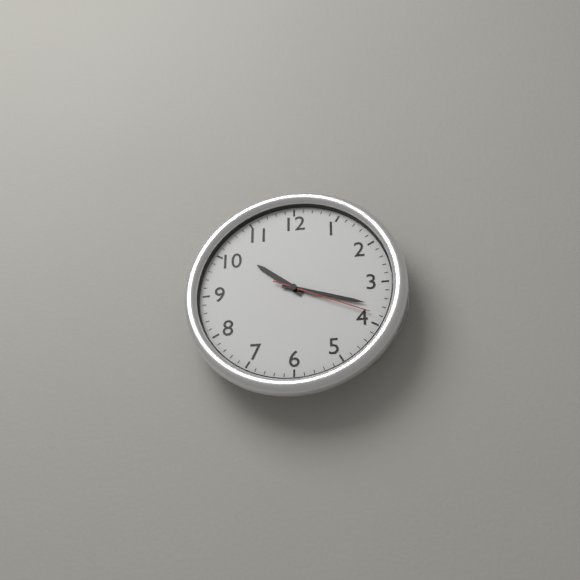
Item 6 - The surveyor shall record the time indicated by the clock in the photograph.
10:18:19
